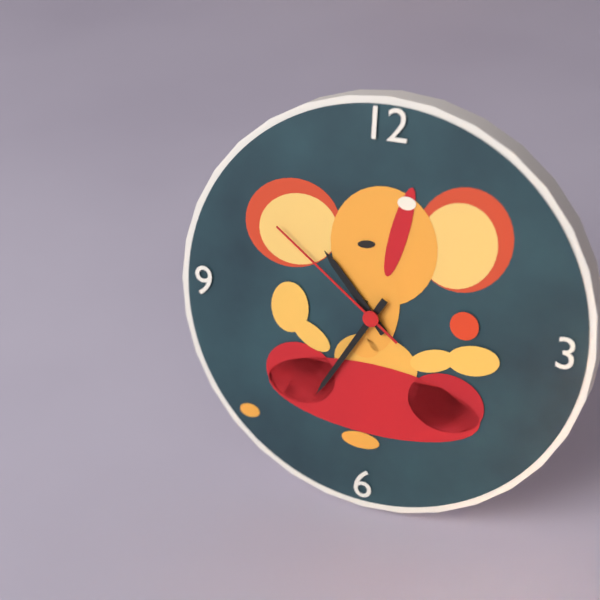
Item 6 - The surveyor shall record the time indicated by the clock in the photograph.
10:35:51
